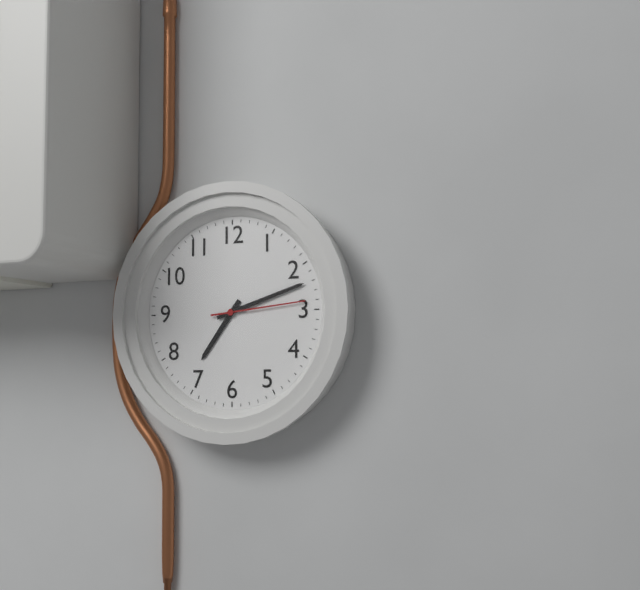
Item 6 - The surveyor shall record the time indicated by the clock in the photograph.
7:12:14
